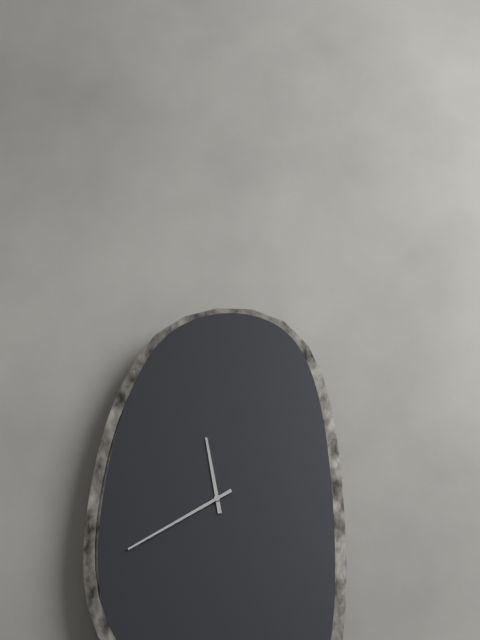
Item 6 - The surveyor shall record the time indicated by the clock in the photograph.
11:40
